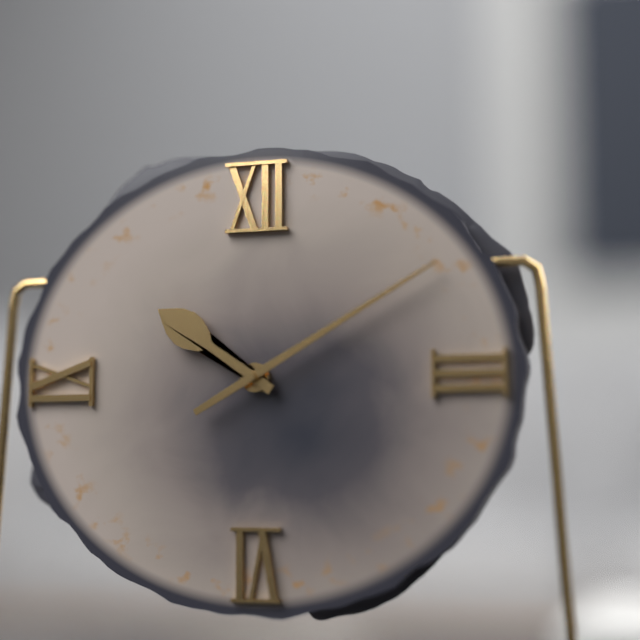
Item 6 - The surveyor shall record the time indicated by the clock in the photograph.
10:10
